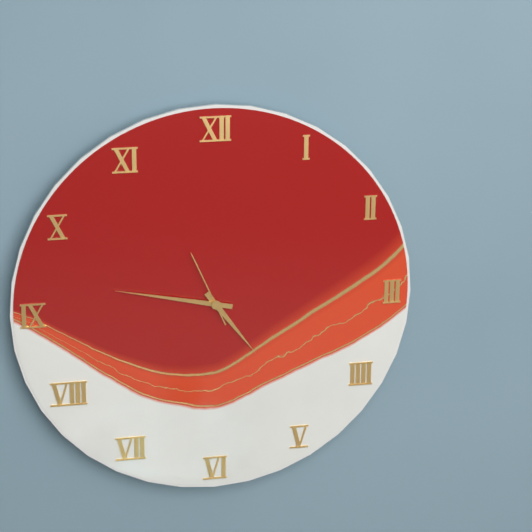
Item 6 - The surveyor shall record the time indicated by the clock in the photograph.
4:47:56
